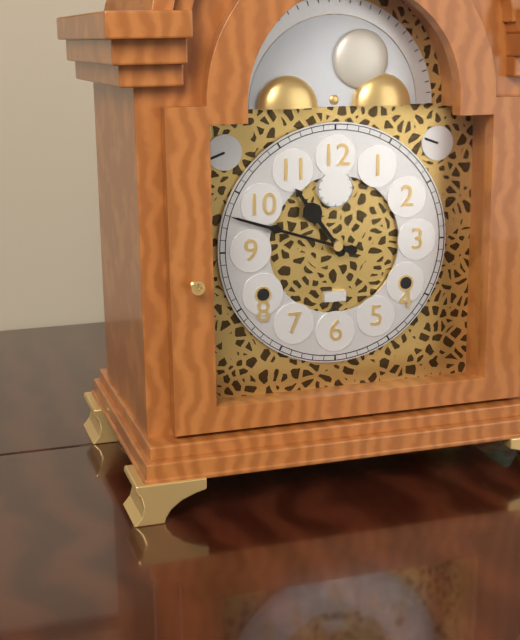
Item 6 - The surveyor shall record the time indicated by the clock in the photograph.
10:48
